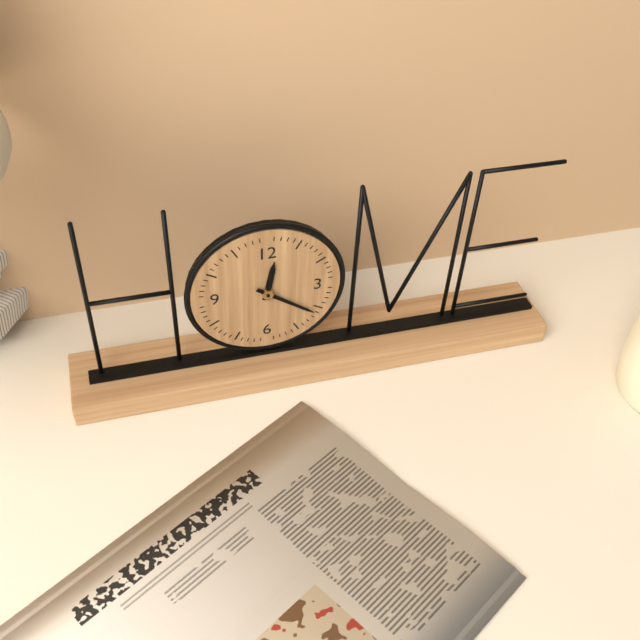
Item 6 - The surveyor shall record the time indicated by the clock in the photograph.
12:21
